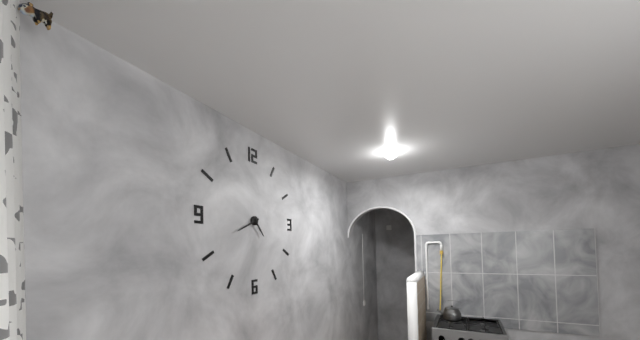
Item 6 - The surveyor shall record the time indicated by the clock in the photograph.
4:41
